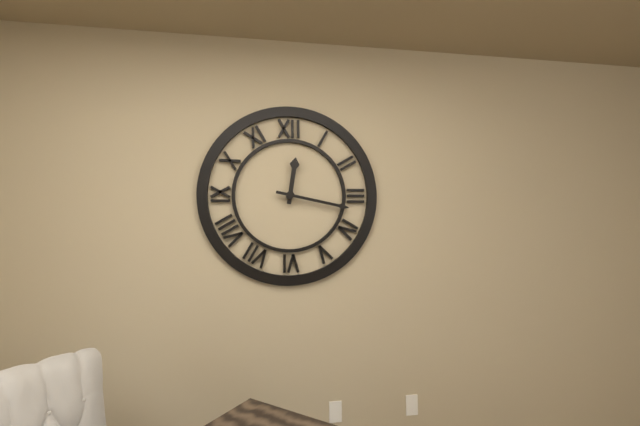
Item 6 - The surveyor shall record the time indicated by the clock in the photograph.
12:17
